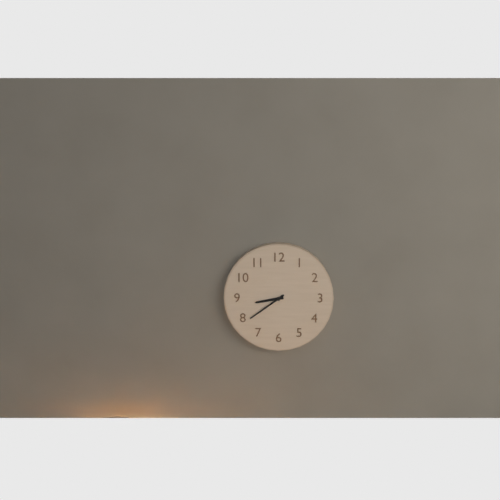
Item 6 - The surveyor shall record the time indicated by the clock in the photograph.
8:39
